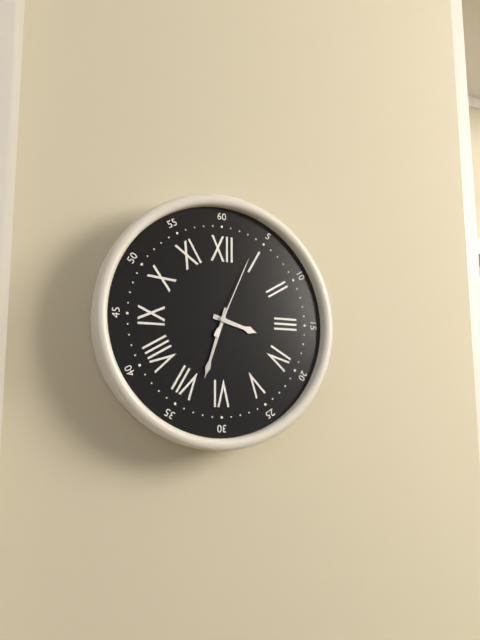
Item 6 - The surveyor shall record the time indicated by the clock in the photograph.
3:33:04
